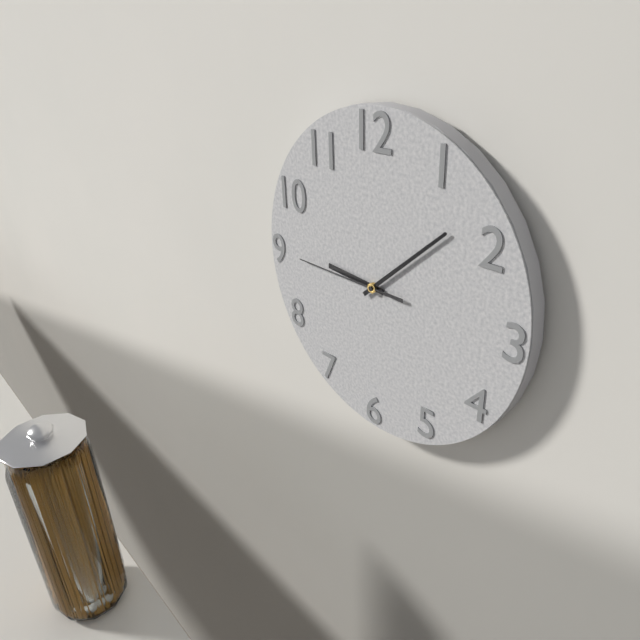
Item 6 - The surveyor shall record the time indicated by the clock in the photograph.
9:08:45
